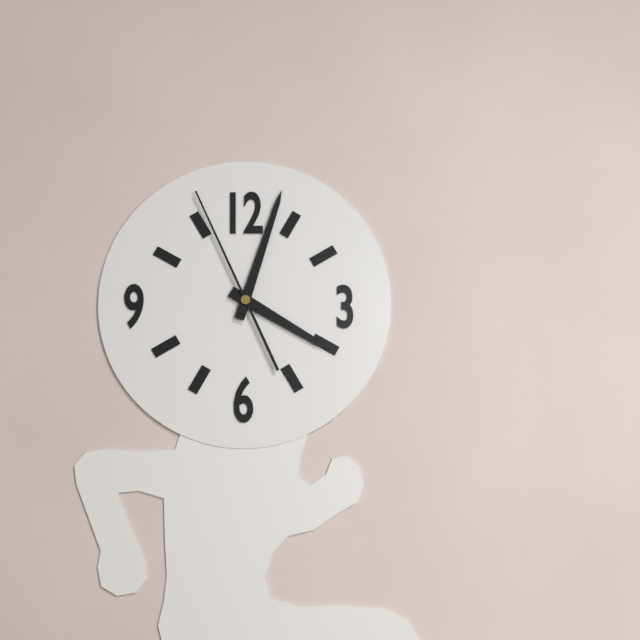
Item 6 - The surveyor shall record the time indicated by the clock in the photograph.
4:03:56
